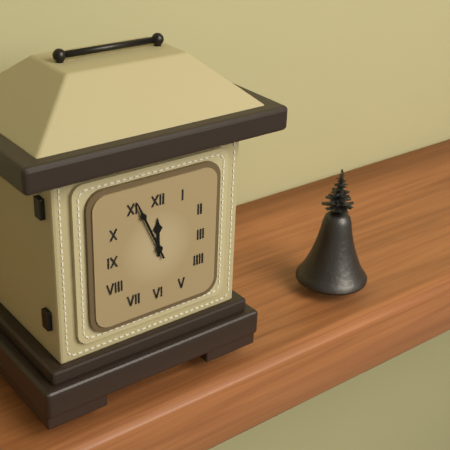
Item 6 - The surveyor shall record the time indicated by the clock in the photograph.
11:56
